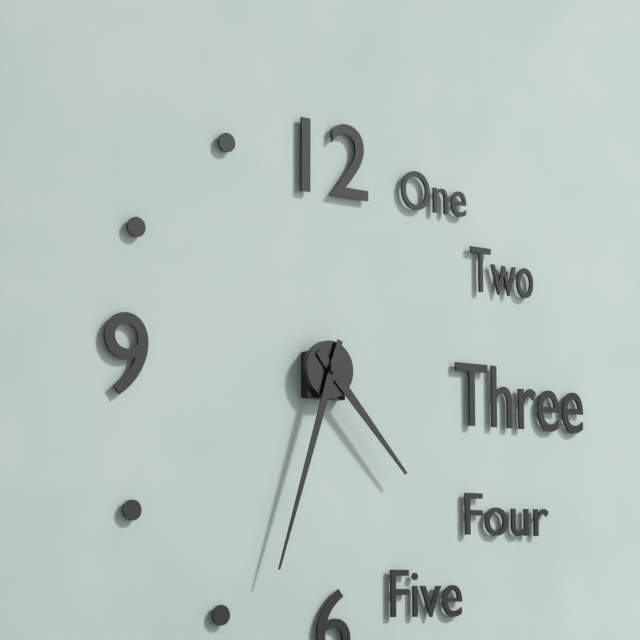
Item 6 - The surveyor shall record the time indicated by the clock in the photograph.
4:33
